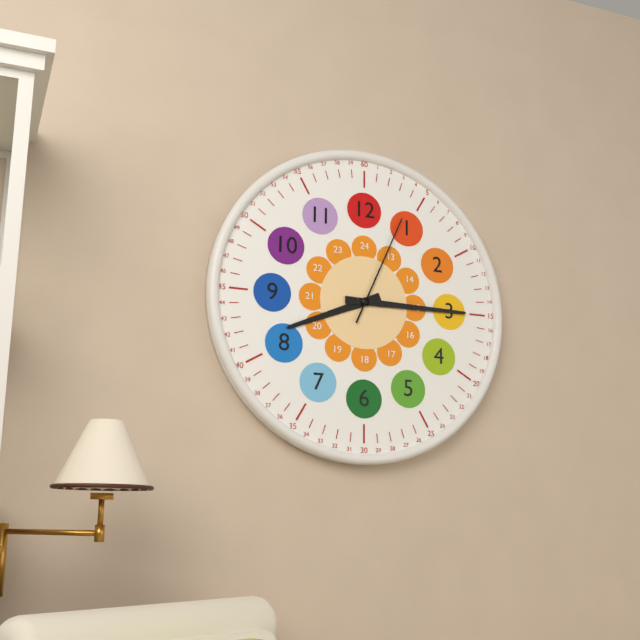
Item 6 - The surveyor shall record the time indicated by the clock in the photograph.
8:15:04
